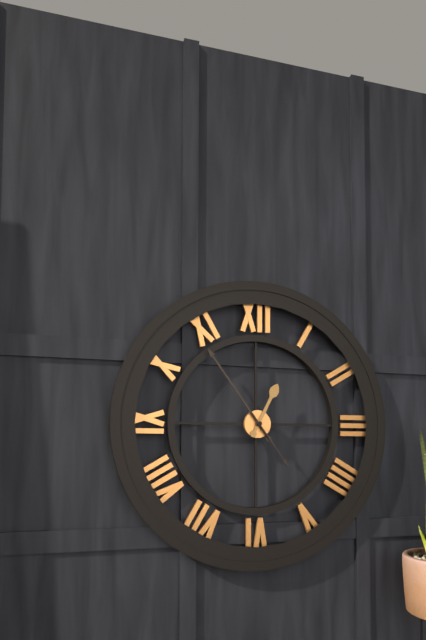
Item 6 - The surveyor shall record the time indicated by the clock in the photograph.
12:54:24
